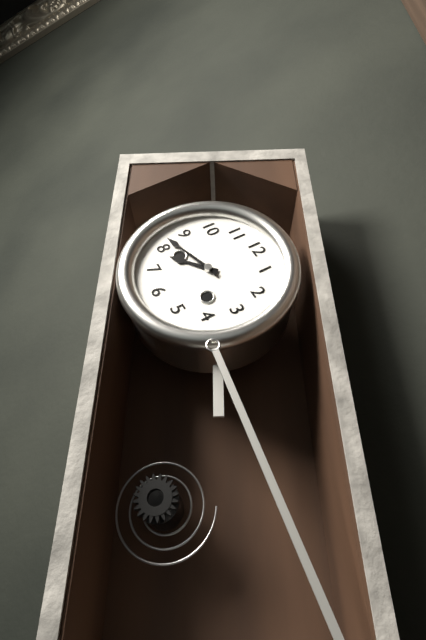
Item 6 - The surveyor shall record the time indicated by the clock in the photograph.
7:42
